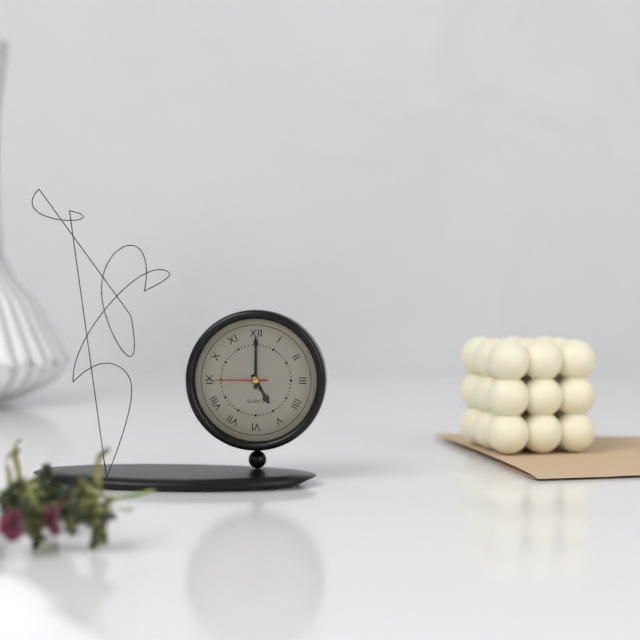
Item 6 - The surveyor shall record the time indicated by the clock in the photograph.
5:00:45
